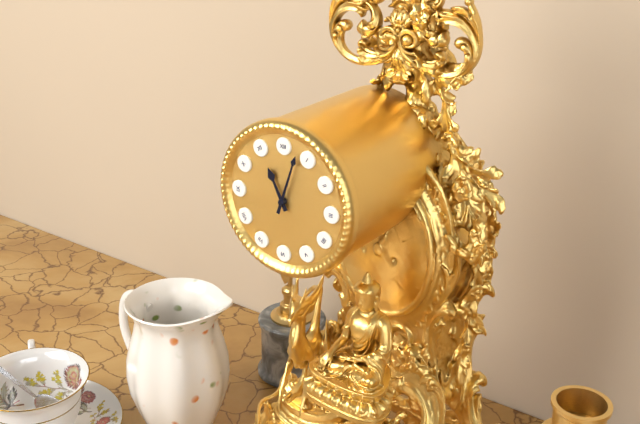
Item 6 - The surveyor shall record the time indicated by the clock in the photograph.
11:03
